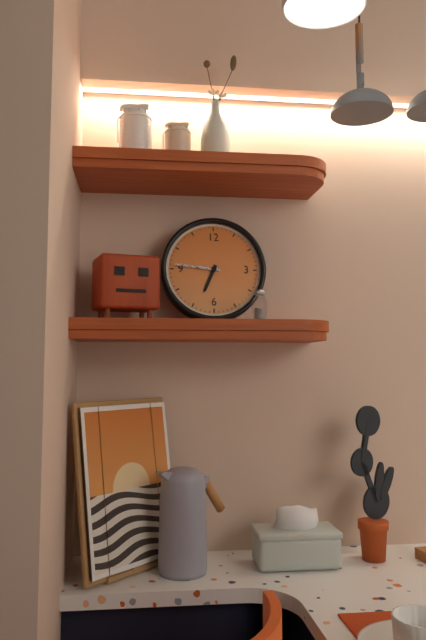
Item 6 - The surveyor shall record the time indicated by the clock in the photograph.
6:46
